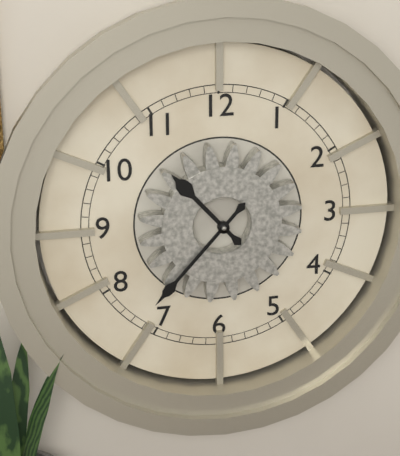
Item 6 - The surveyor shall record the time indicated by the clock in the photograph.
10:37
